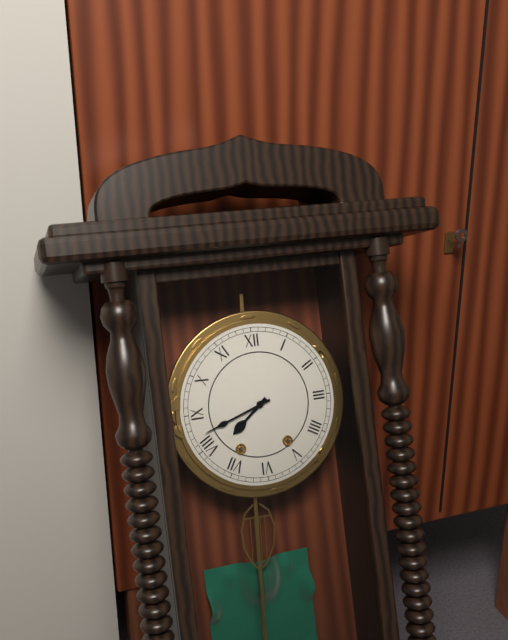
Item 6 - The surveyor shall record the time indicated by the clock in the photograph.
7:42
